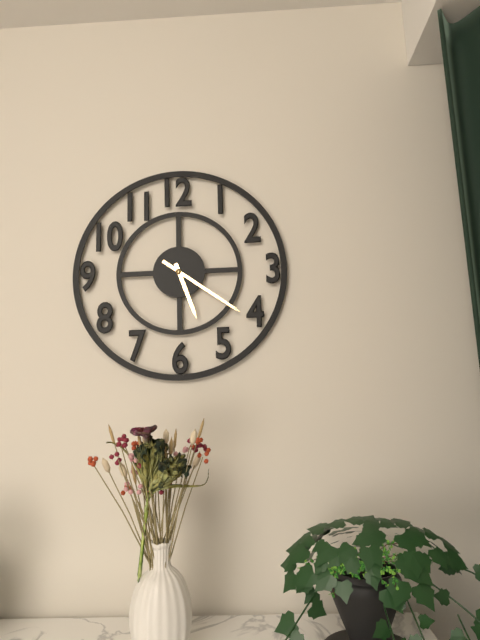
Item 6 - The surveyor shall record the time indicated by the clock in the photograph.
5:21
